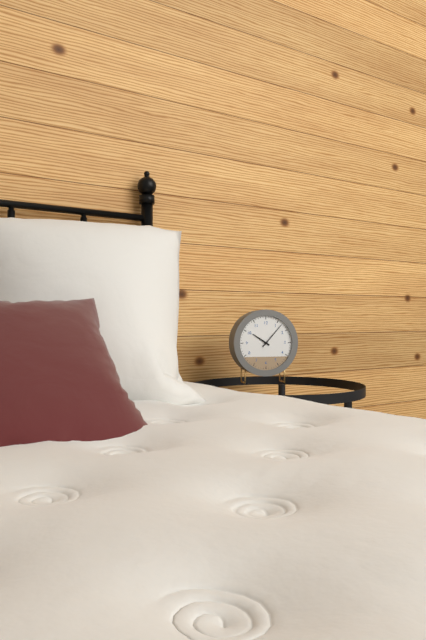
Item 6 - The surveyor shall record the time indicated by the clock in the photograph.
10:07
